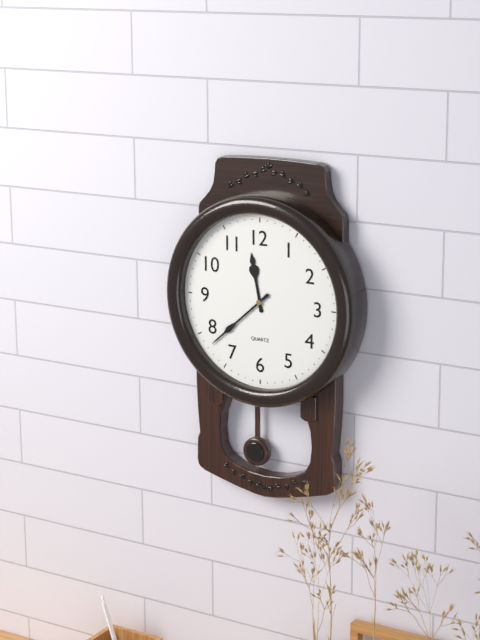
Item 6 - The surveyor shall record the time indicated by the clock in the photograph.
11:38
